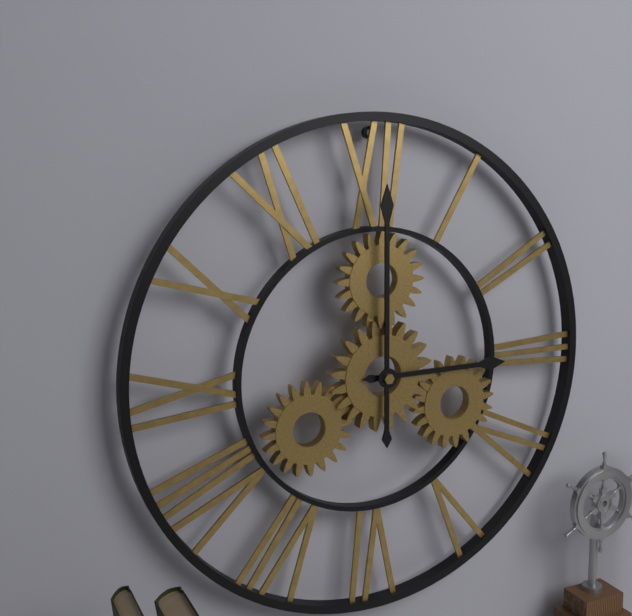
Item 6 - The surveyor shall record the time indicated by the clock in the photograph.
3:00
